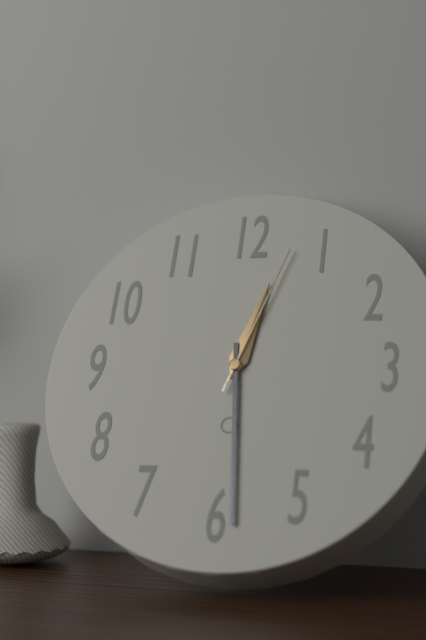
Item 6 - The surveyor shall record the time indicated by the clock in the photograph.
12:29:03
